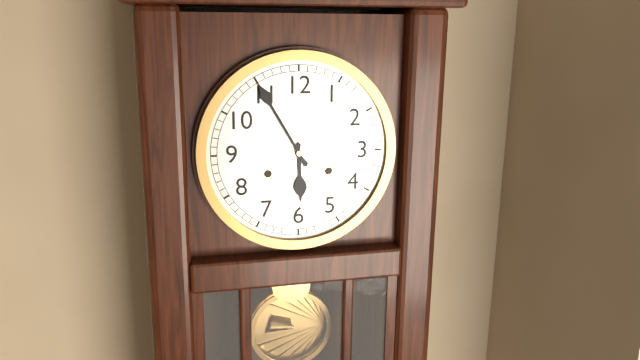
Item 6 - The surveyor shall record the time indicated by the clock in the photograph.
5:55
